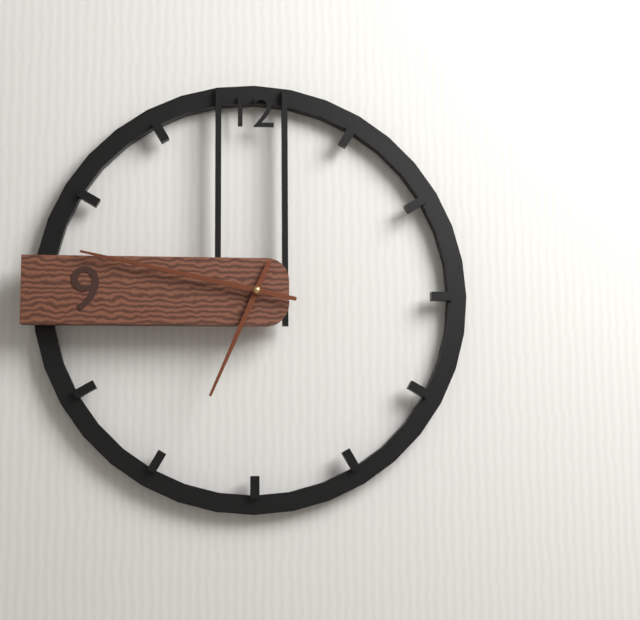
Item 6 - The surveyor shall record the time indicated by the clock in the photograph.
6:47
